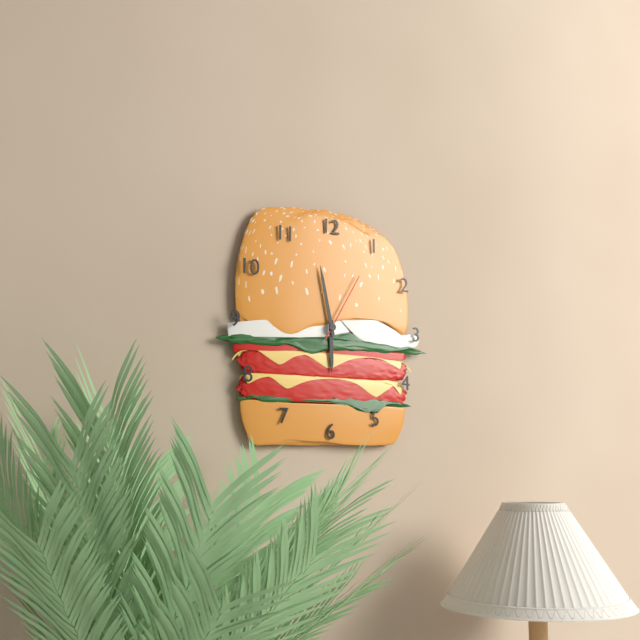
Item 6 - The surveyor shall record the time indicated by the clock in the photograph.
5:58:05
